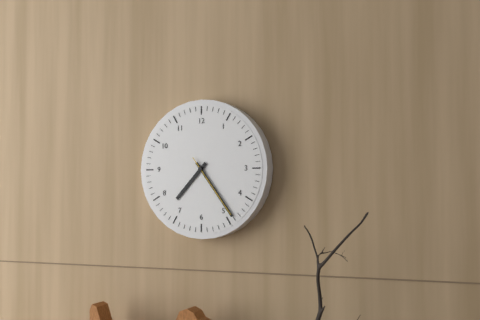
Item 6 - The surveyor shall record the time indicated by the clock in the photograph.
7:24:24
